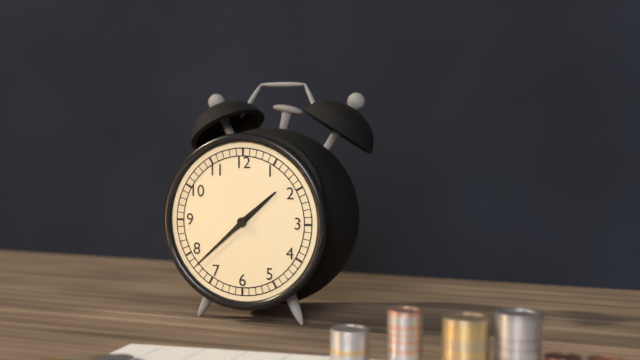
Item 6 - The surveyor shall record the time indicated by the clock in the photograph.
1:38
